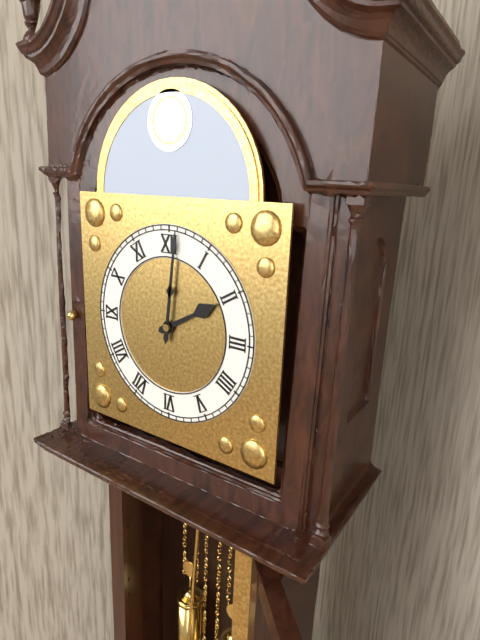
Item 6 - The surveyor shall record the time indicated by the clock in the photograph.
2:01
